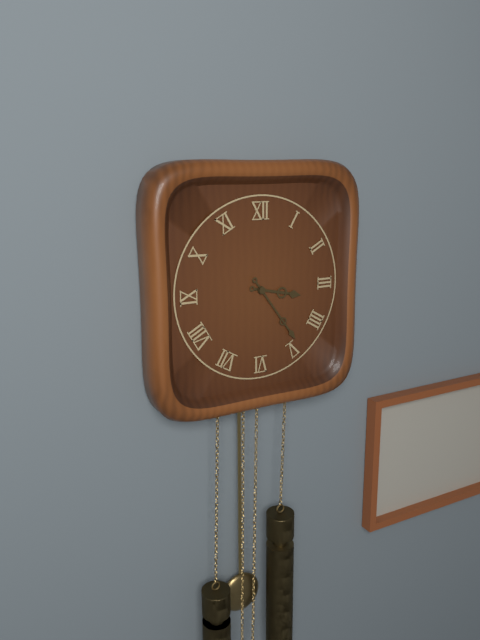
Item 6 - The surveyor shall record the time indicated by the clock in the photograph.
3:24
